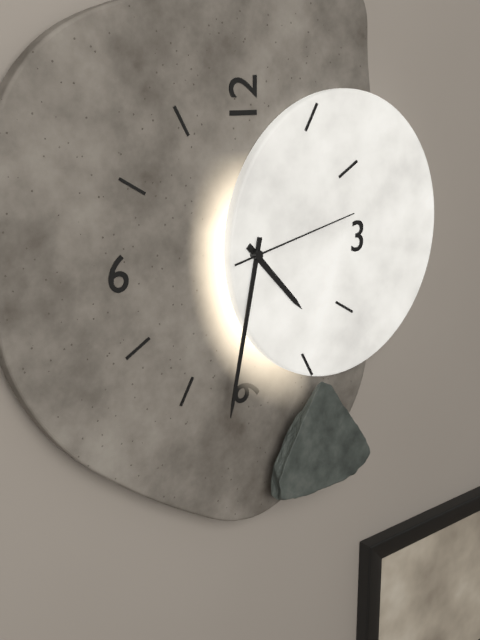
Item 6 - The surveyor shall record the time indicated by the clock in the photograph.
4:32:13
